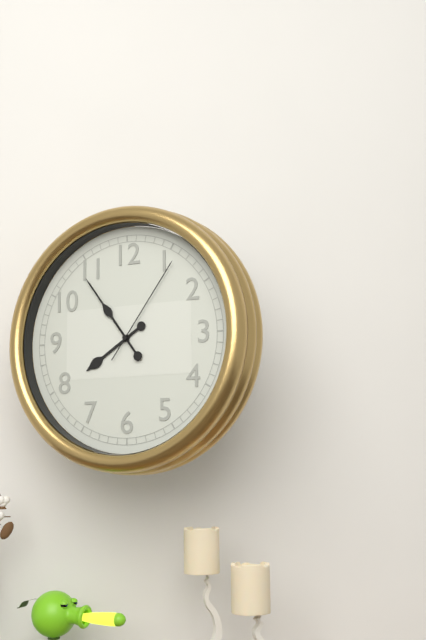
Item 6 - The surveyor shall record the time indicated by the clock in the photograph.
7:54:06
